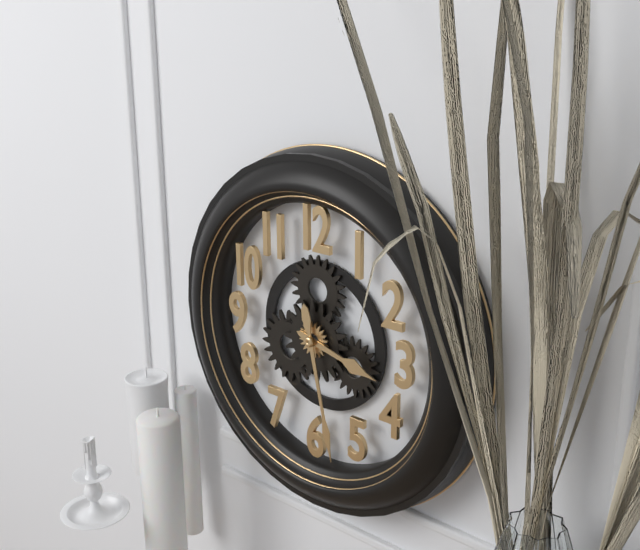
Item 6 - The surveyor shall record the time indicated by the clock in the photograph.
3:28
